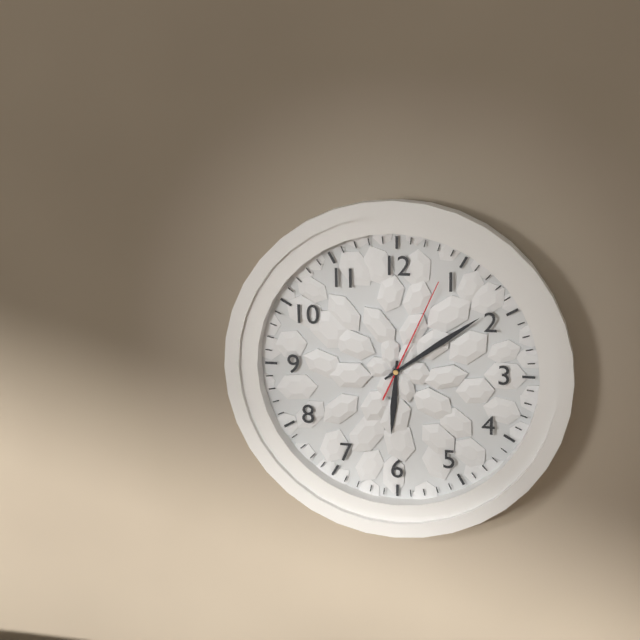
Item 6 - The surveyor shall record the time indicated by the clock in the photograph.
6:09:04
